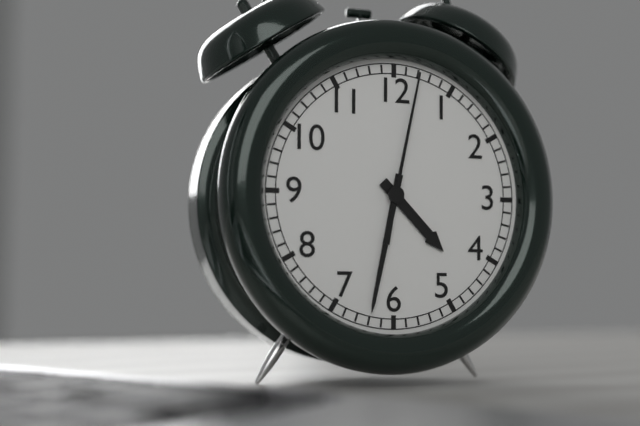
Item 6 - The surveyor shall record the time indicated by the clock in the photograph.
4:32:02
